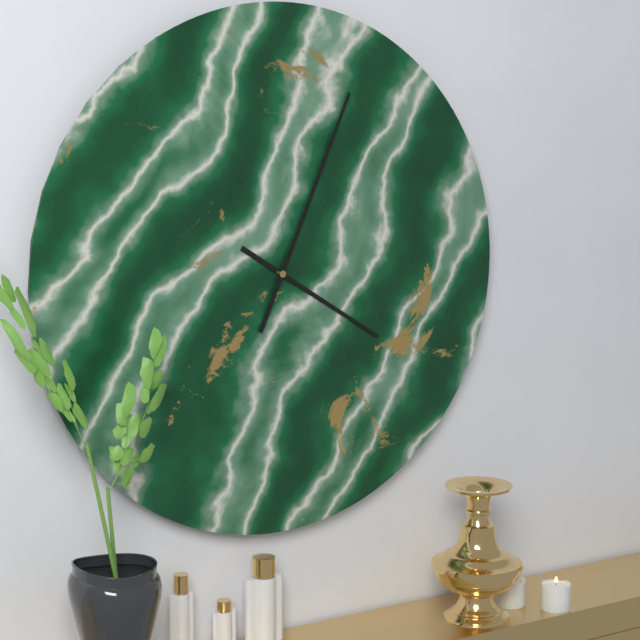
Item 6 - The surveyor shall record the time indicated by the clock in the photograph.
4:04
